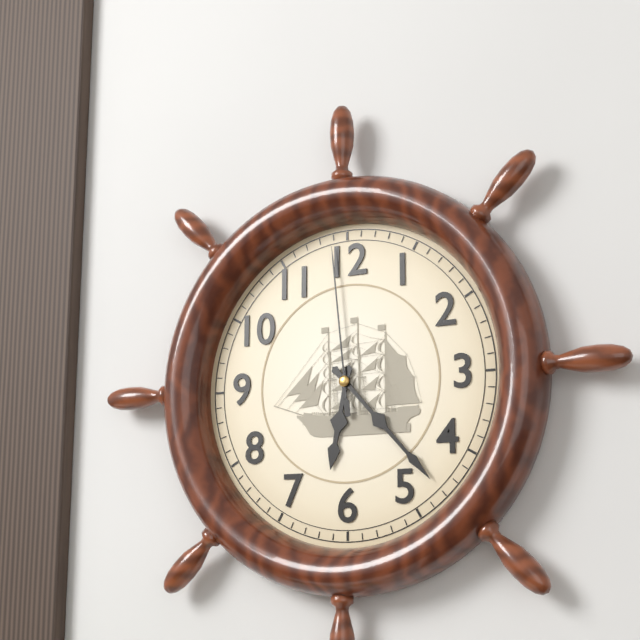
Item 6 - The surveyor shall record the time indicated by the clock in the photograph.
6:23:59
